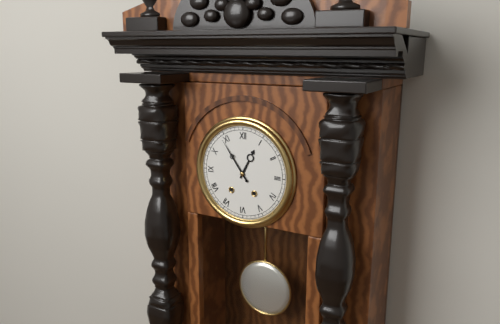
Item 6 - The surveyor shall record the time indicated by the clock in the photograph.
12:54
